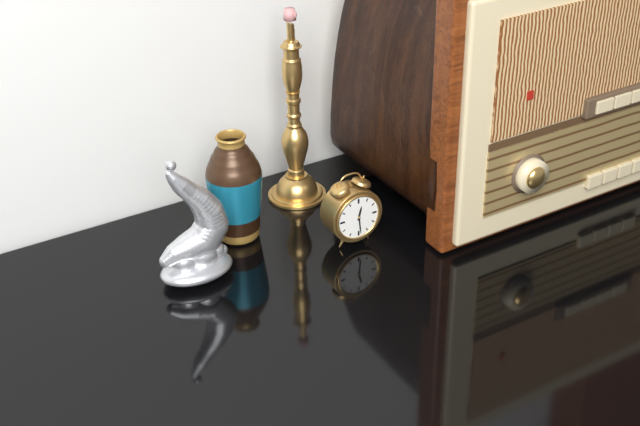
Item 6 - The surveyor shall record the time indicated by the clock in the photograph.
12:29
